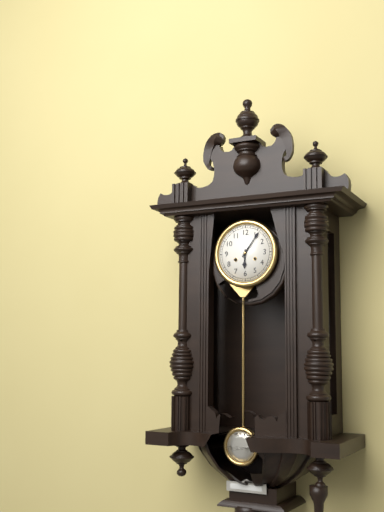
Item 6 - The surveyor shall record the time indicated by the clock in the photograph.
6:06
